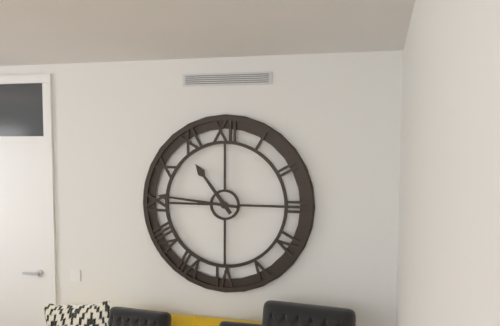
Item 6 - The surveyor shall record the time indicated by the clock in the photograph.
10:46
